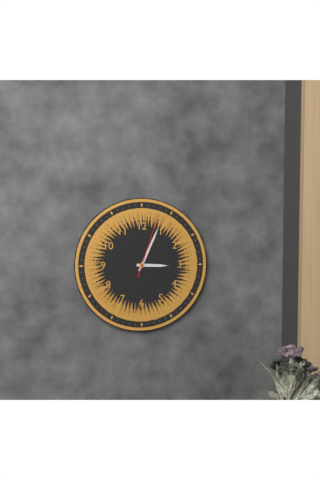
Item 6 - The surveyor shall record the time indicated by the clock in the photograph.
3:04:03
